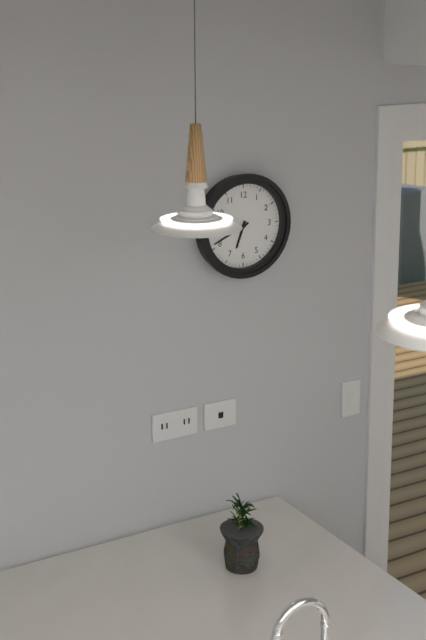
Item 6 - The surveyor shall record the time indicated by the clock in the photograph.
6:41
